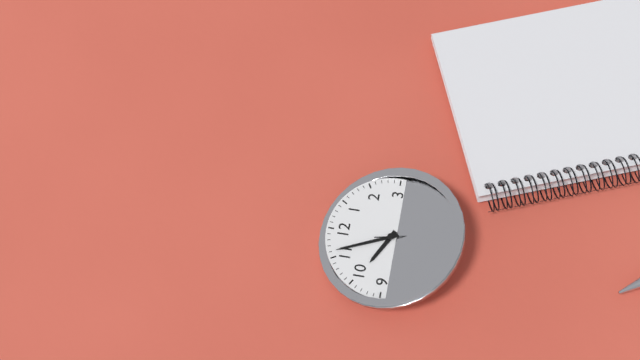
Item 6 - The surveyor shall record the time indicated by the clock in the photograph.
9:56
